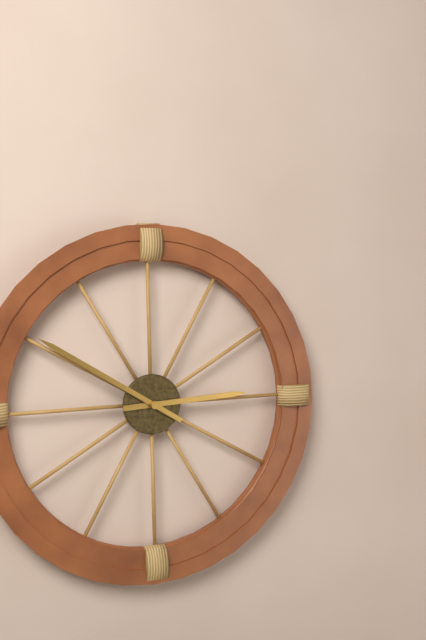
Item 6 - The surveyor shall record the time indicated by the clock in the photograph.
2:50
